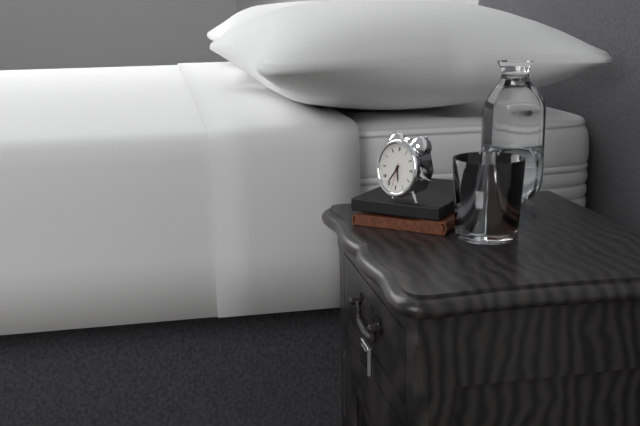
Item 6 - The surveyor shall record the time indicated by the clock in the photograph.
5:36
